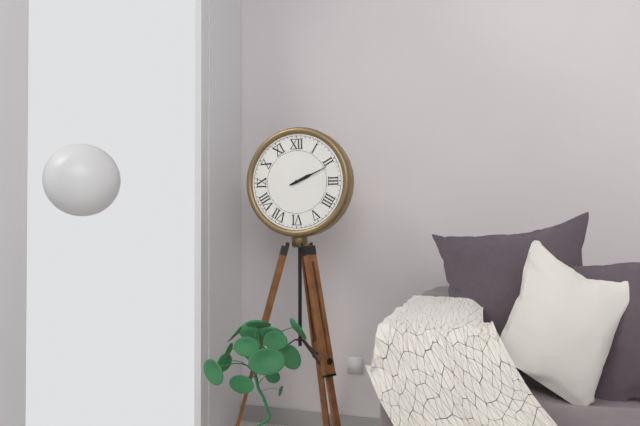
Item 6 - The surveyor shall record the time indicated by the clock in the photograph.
2:11
